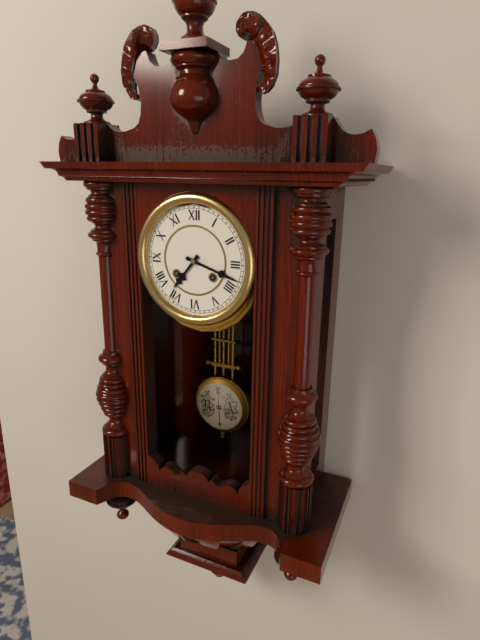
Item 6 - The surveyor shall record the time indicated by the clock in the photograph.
7:18
